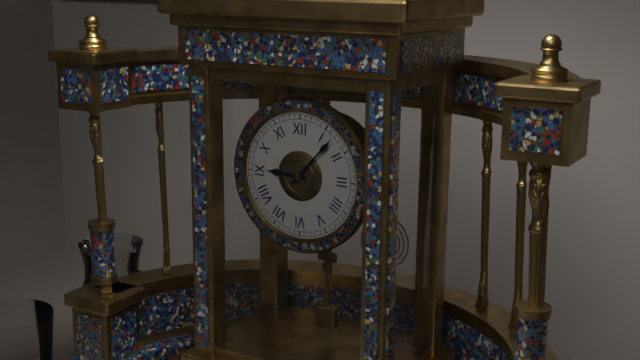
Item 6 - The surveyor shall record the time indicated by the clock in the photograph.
9:07
